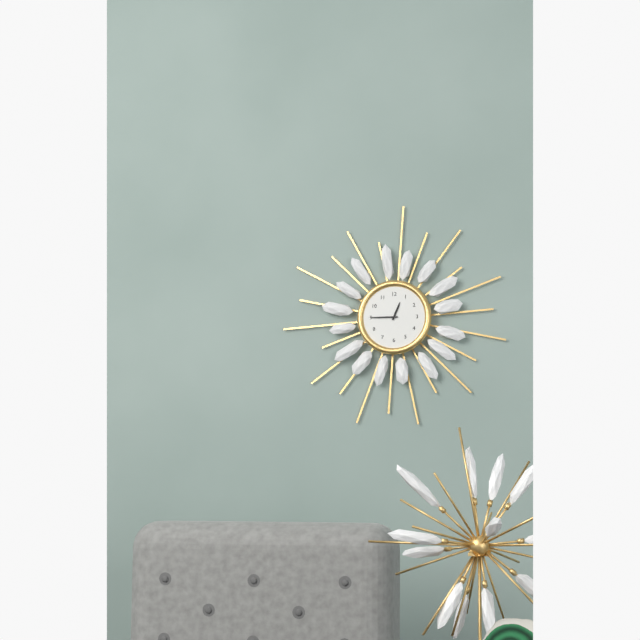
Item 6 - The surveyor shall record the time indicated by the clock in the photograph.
12:45
